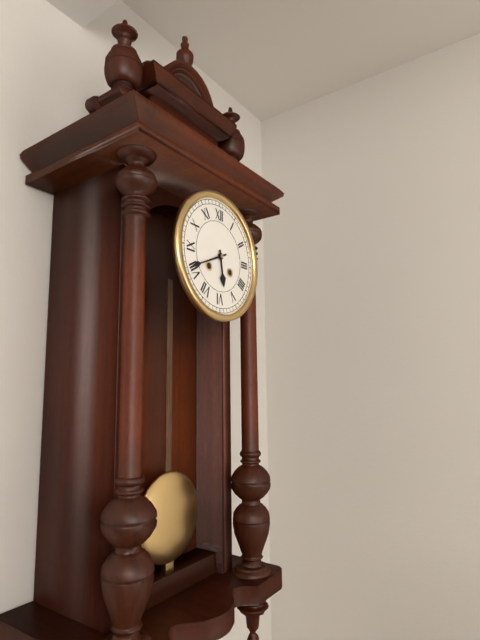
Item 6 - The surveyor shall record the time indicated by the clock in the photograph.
5:41
